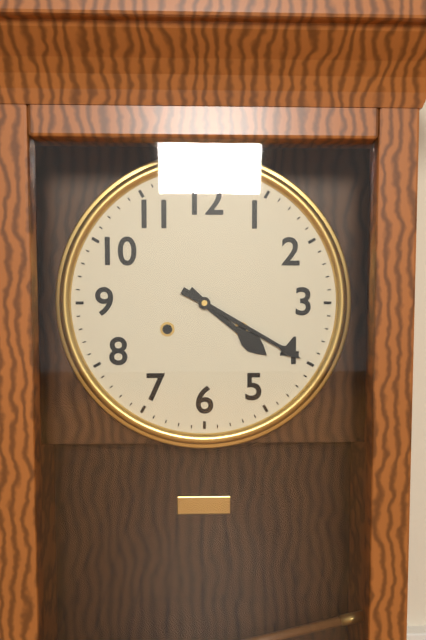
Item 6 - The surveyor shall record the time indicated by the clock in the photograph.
4:20
